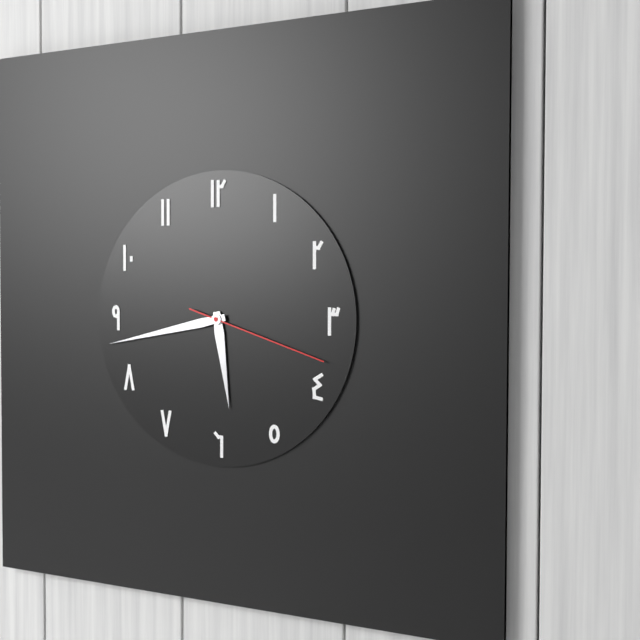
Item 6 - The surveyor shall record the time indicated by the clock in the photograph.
5:43:18
